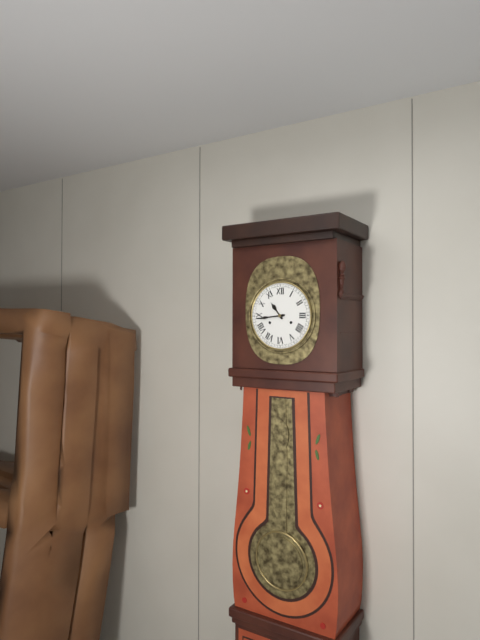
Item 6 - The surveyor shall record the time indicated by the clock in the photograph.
10:44
